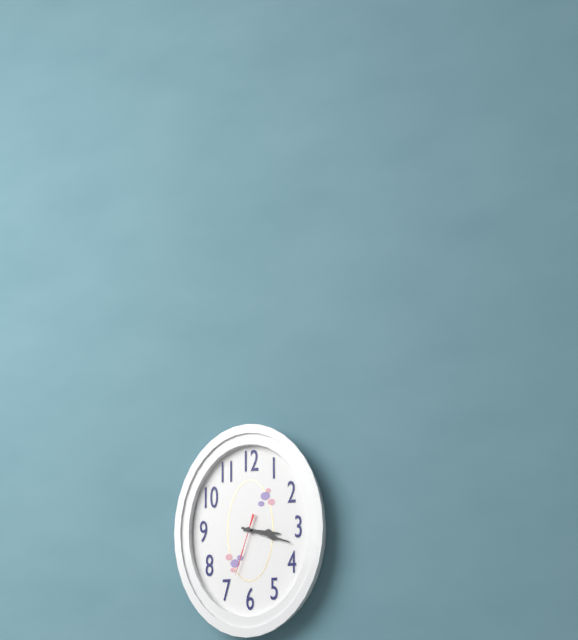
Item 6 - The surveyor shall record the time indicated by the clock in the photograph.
3:18:33
